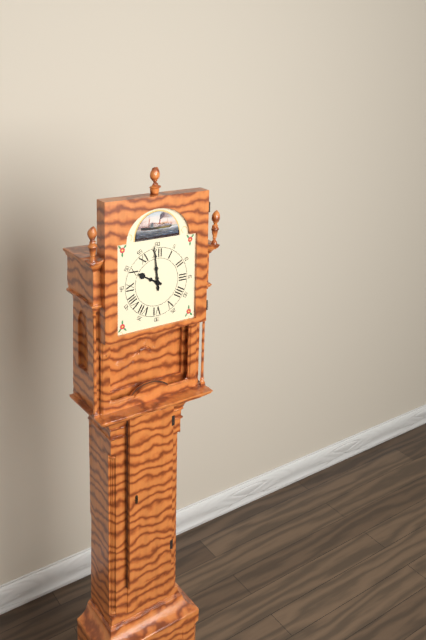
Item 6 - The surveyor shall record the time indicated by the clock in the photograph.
9:59
